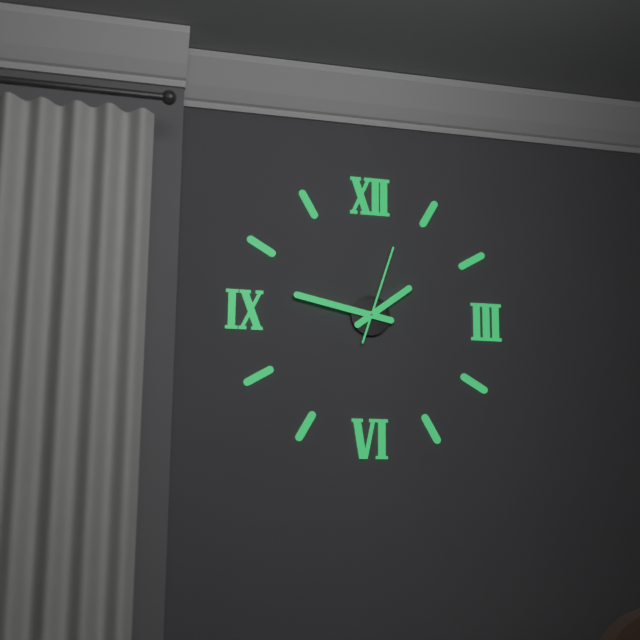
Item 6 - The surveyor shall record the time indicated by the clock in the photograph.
1:47:03
